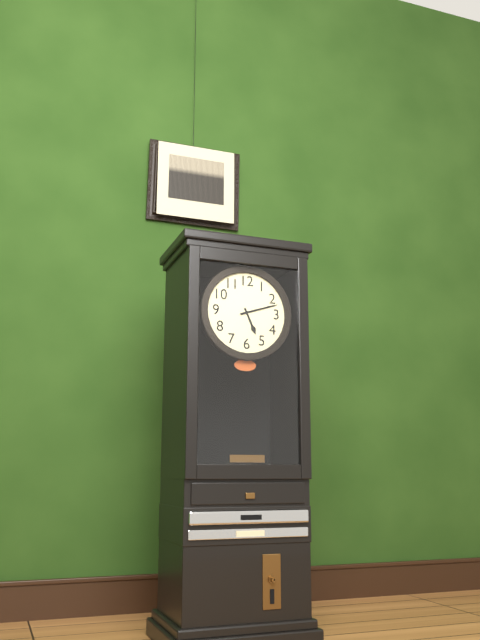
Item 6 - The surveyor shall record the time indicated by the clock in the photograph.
5:12
